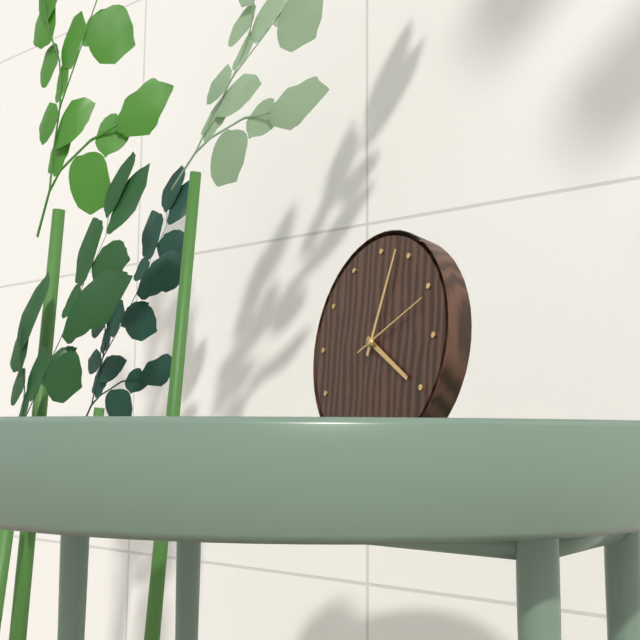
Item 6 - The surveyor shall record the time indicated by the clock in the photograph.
4:03:11
